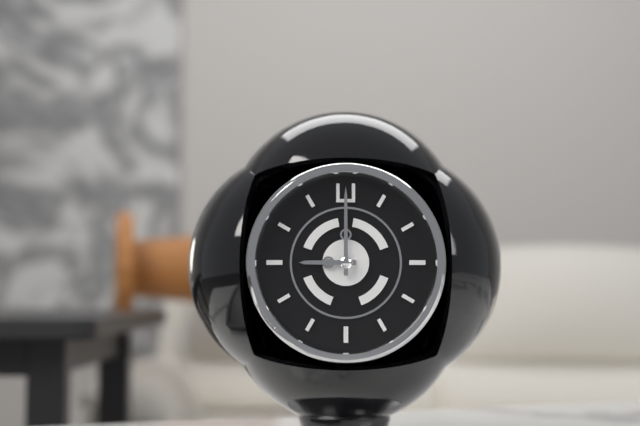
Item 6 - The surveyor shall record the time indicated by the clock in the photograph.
9:00
